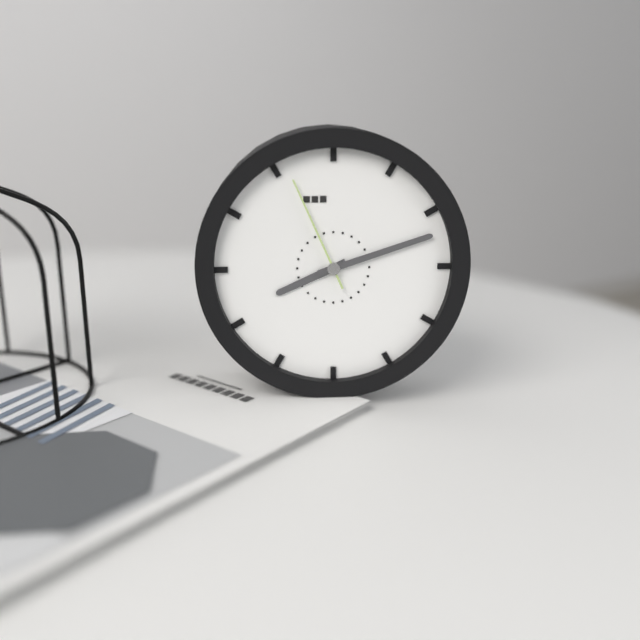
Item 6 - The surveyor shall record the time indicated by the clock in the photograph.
8:12:56
